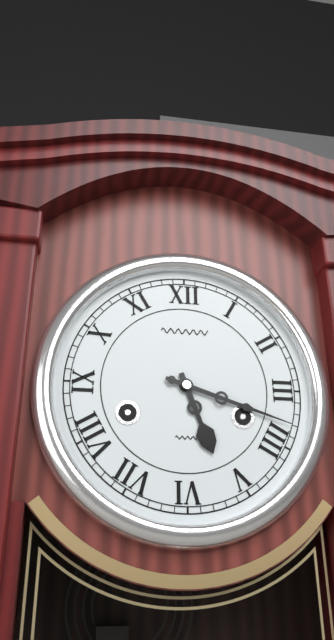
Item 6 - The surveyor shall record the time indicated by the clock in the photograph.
5:18
